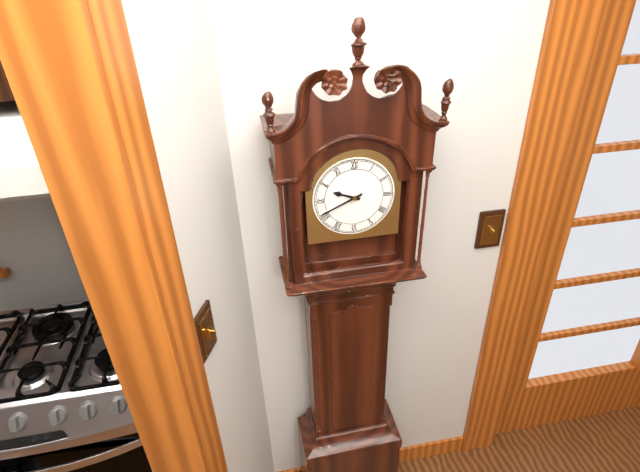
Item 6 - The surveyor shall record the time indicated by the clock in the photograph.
9:41
